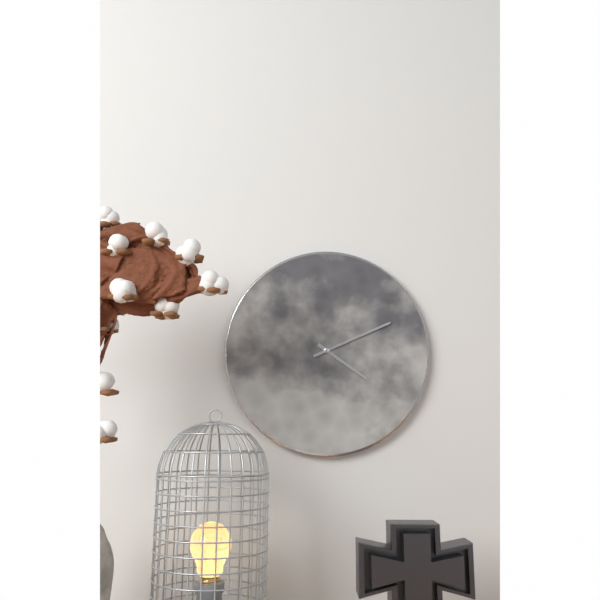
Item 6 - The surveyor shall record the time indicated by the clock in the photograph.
4:11
